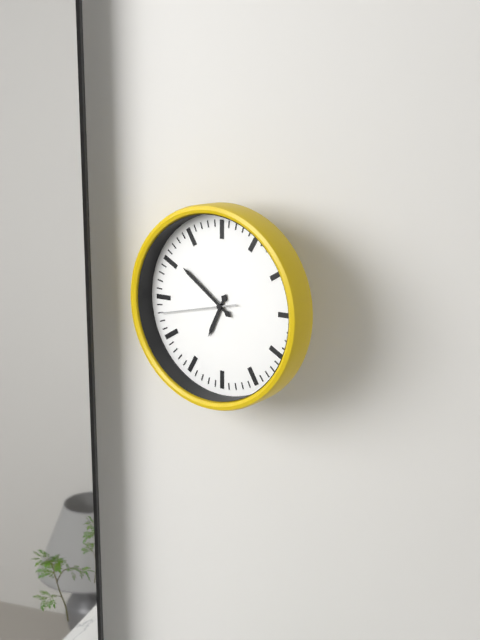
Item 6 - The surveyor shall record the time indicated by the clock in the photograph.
6:51:43
